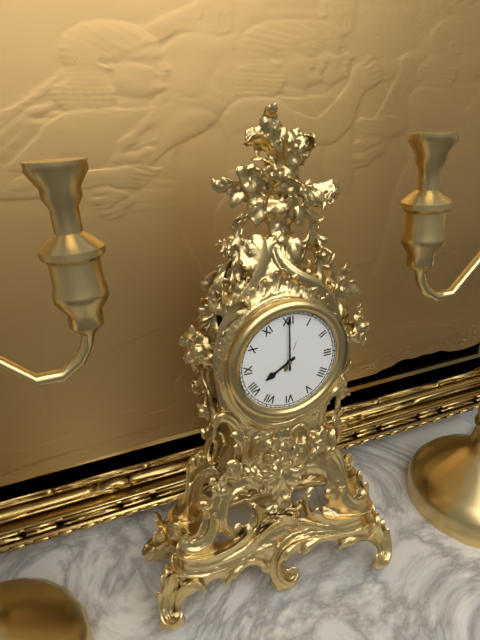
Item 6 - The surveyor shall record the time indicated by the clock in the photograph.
8:00
